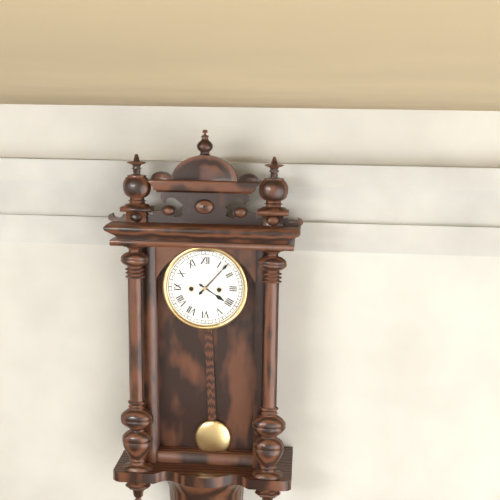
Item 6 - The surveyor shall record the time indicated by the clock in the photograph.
4:07
